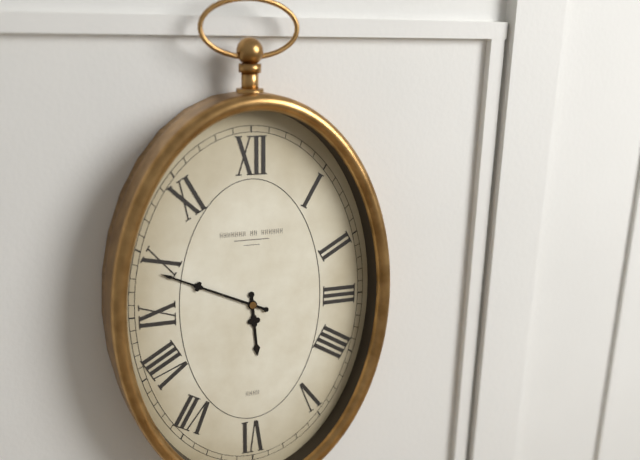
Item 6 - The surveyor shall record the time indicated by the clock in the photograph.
5:49
